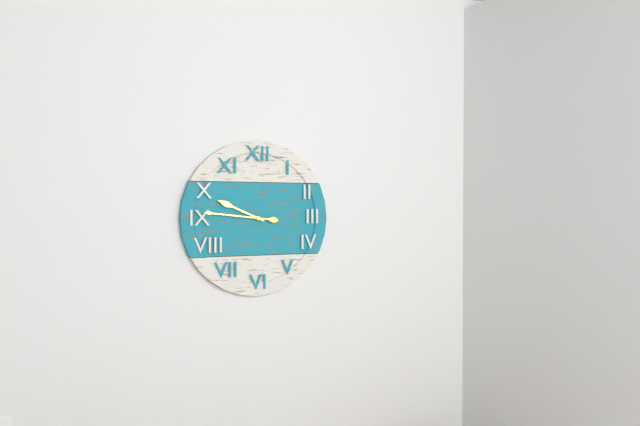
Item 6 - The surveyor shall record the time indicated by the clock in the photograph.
9:46
